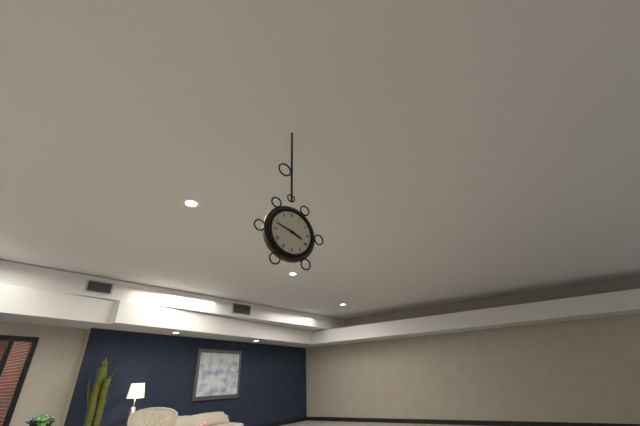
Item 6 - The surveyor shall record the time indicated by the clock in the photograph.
3:48
